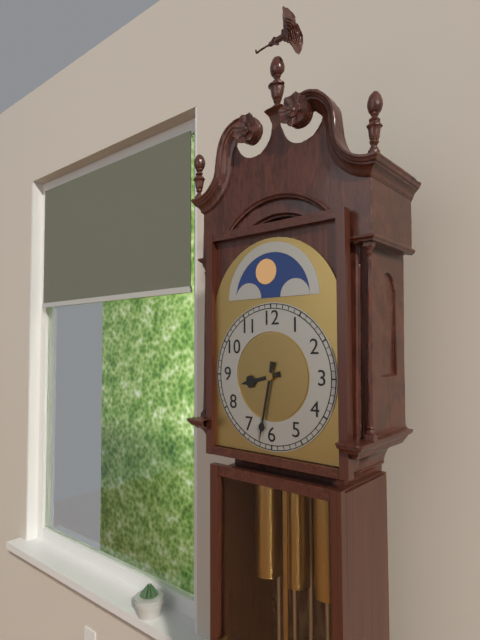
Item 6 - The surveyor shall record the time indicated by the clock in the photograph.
8:32
